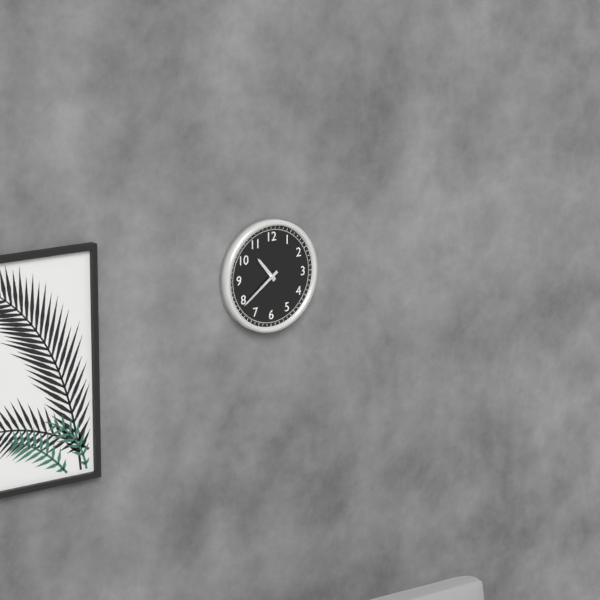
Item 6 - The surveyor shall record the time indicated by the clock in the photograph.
10:39
